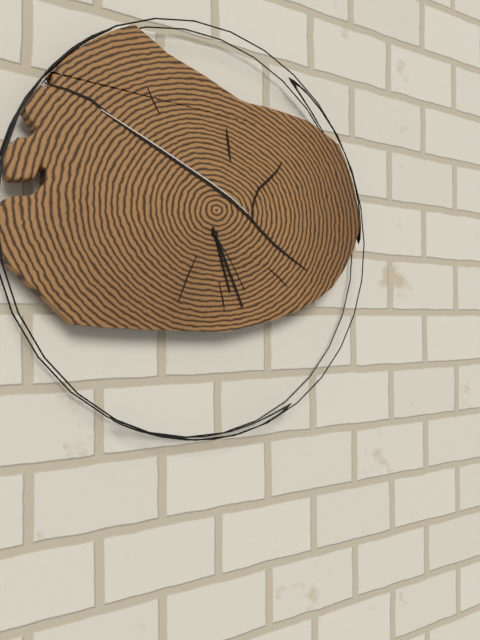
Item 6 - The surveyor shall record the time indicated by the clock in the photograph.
5:26
